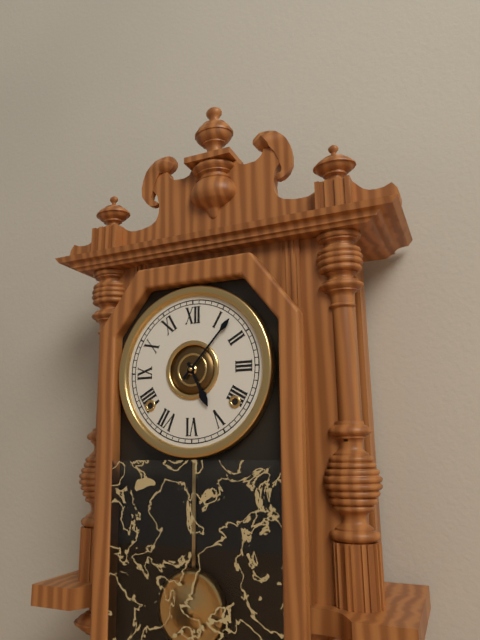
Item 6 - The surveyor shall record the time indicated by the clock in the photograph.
5:07
